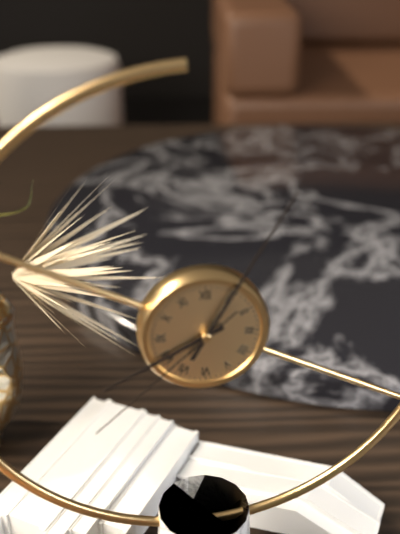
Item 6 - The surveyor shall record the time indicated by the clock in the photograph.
8:05:38
